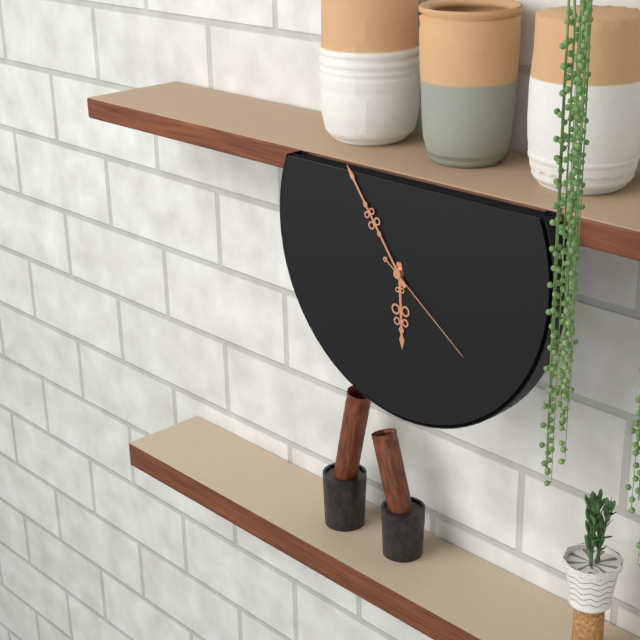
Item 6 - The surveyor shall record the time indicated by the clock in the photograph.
5:54:21
